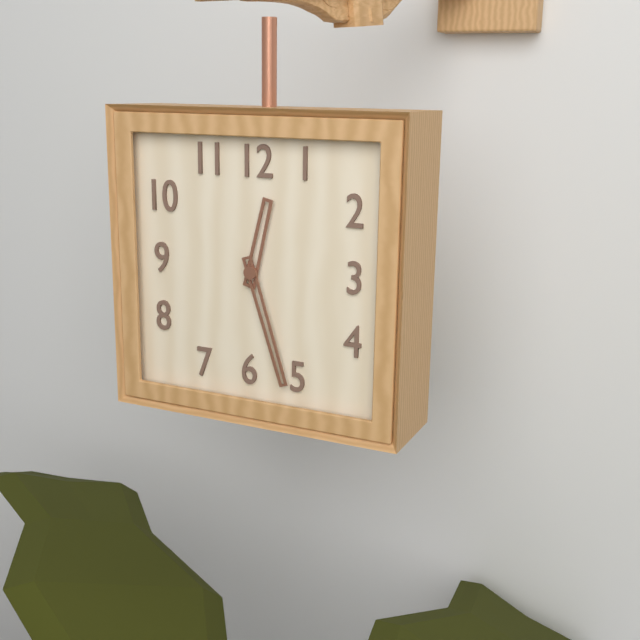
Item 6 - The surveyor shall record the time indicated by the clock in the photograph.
12:27
